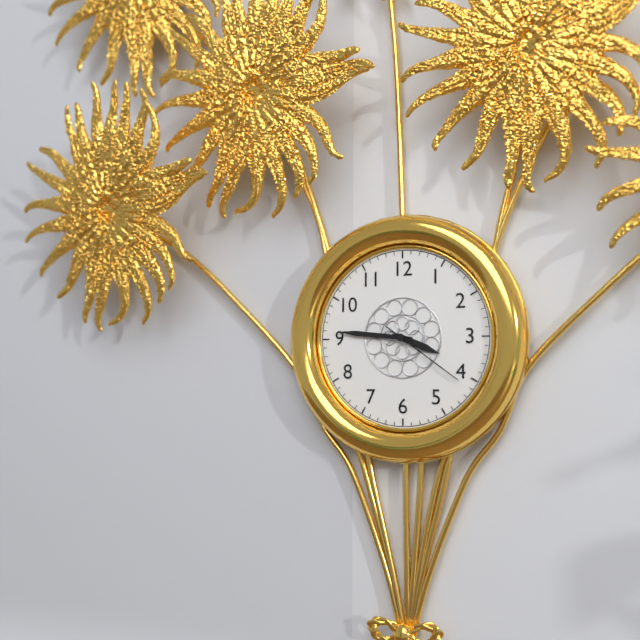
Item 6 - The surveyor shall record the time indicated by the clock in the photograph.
3:46:21
